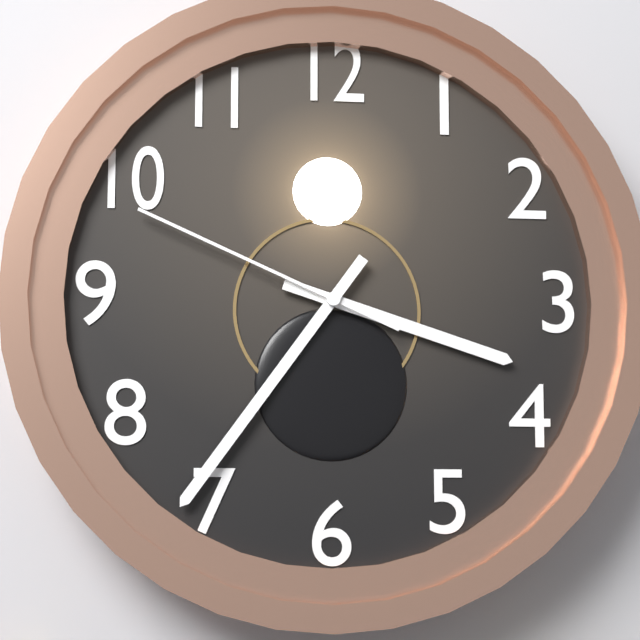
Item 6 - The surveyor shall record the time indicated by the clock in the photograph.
3:36:49
